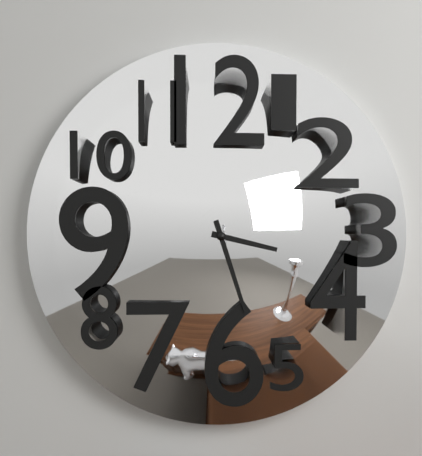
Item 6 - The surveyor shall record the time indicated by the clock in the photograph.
3:27
